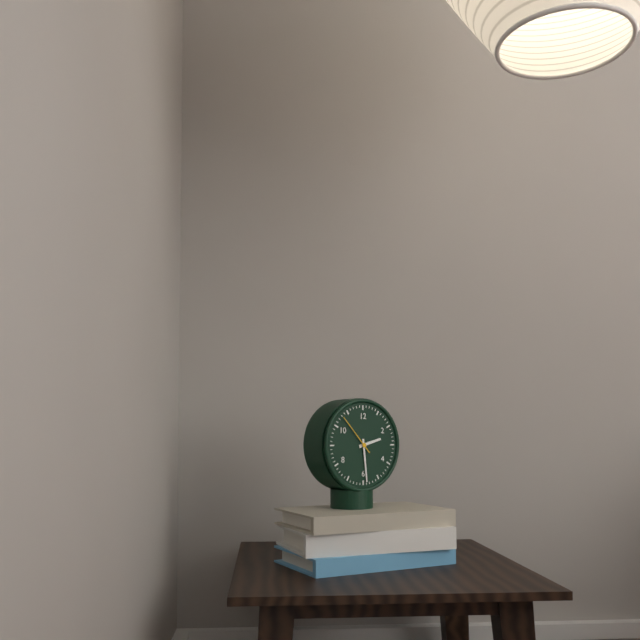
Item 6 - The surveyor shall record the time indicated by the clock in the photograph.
2:29
